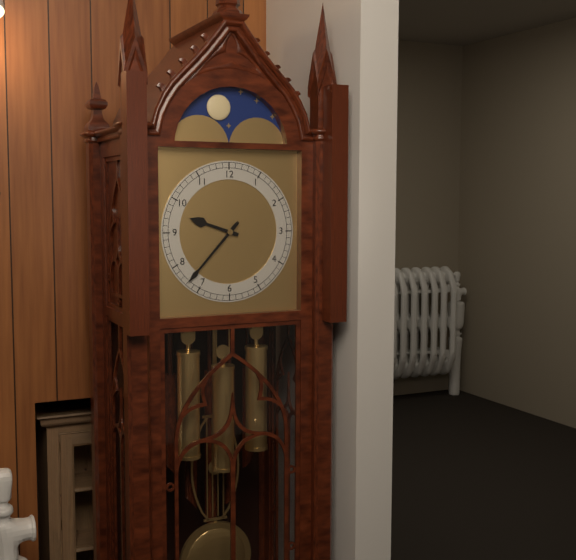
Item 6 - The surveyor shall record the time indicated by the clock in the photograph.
9:37
